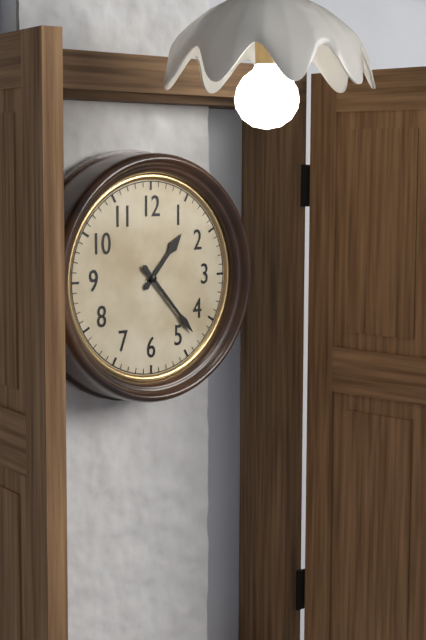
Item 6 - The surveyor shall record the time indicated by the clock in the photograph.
1:23
